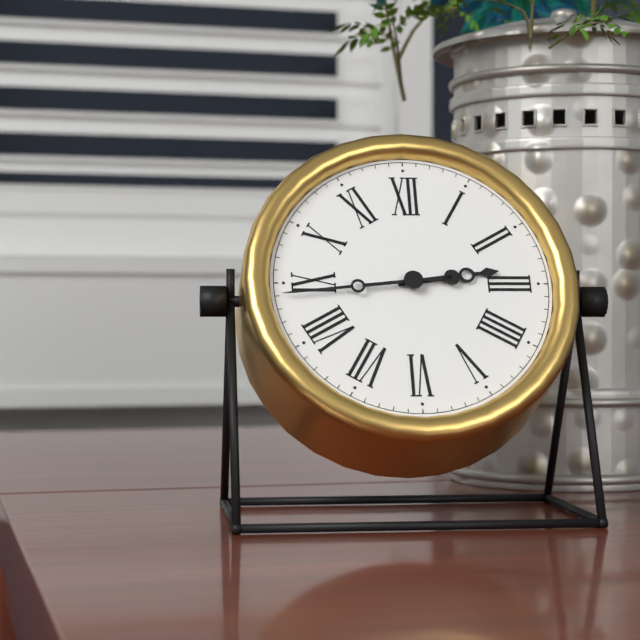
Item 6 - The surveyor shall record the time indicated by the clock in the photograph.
2:44
